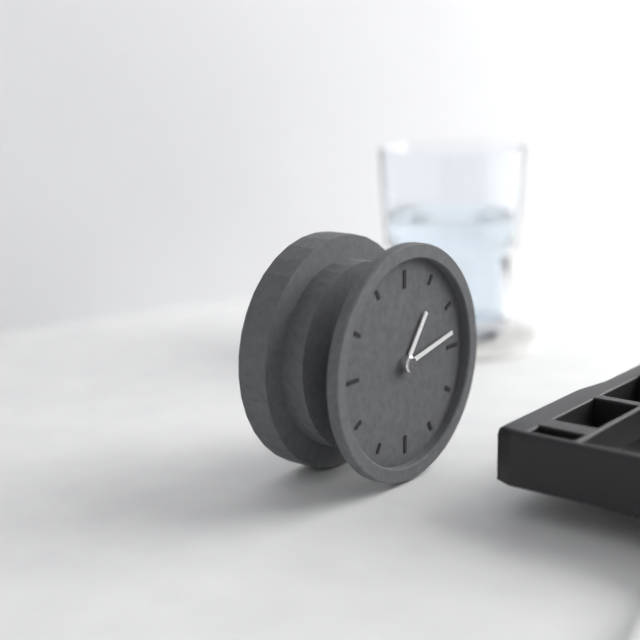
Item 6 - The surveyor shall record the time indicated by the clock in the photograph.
1:13
